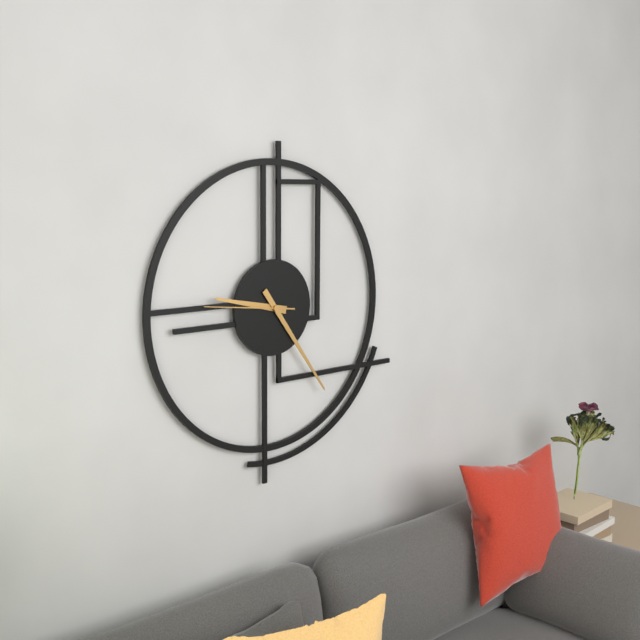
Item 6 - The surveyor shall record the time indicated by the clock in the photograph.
9:24:46
